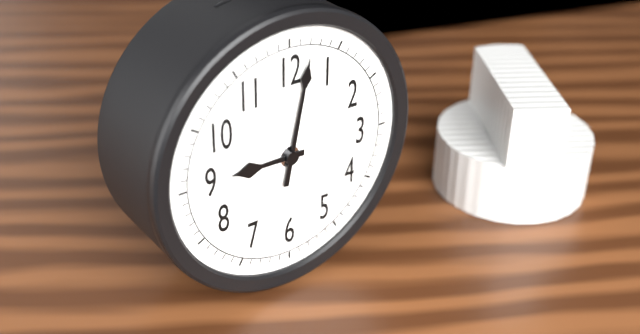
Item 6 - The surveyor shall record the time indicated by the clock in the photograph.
9:02
